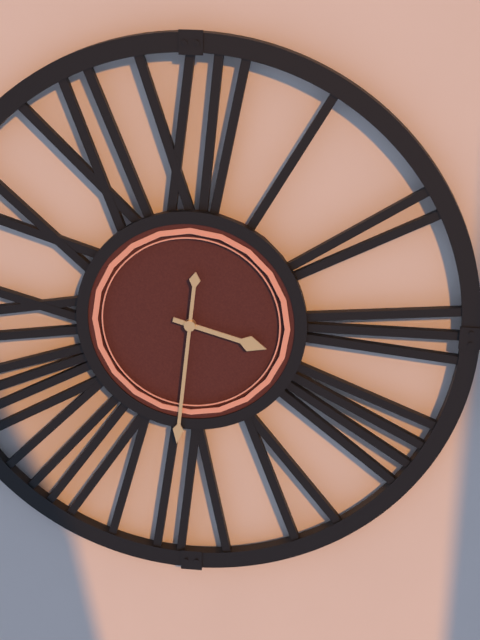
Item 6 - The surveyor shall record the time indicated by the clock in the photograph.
3:31
